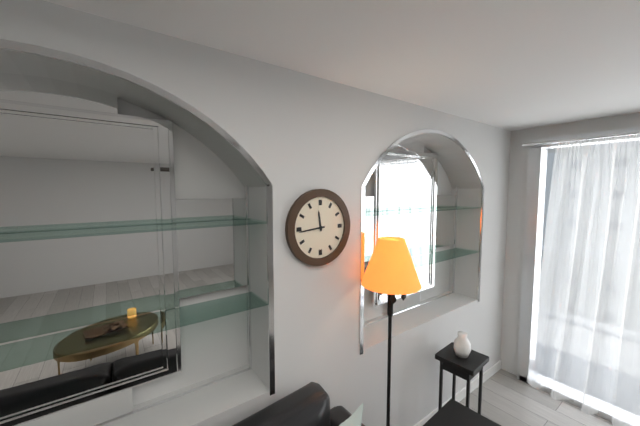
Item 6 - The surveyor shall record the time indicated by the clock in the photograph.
11:44
